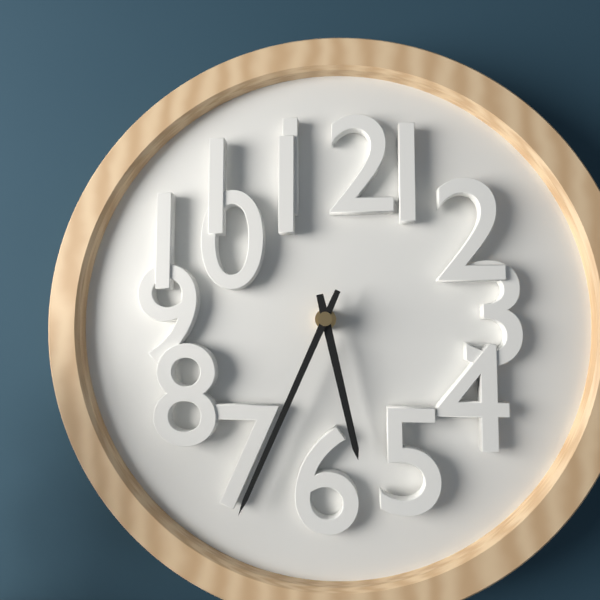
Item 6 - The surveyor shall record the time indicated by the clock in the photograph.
5:34
